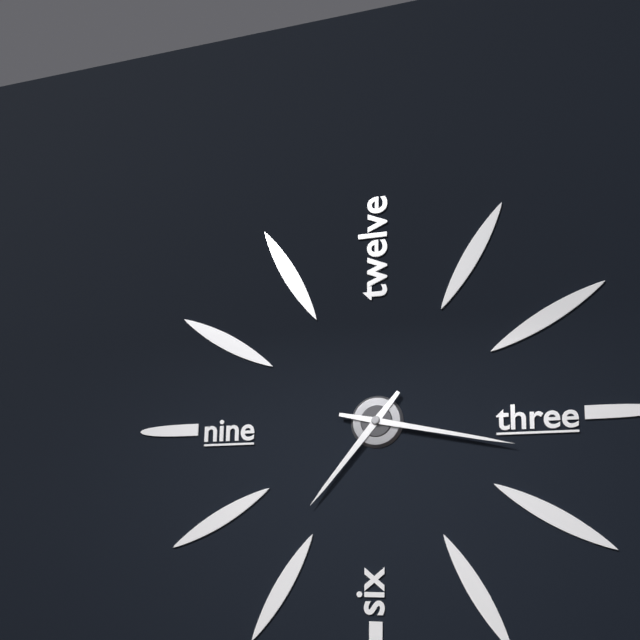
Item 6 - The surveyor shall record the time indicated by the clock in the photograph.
7:17
